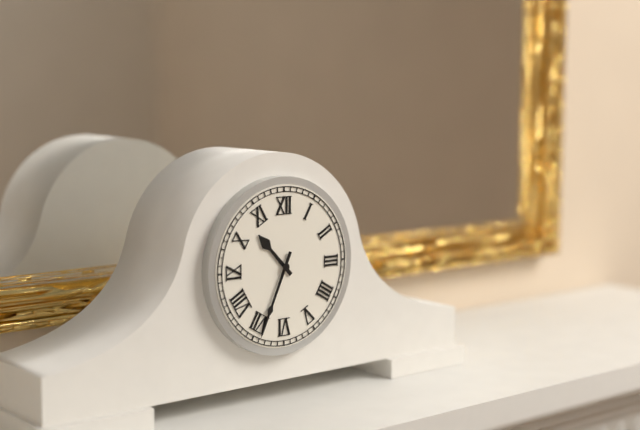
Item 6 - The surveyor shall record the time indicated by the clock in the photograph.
10:34
